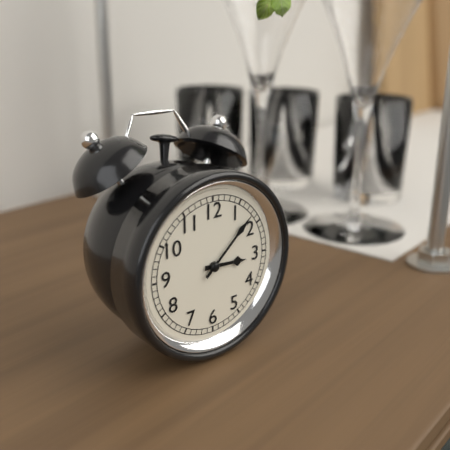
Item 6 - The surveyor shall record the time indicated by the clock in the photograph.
3:08
